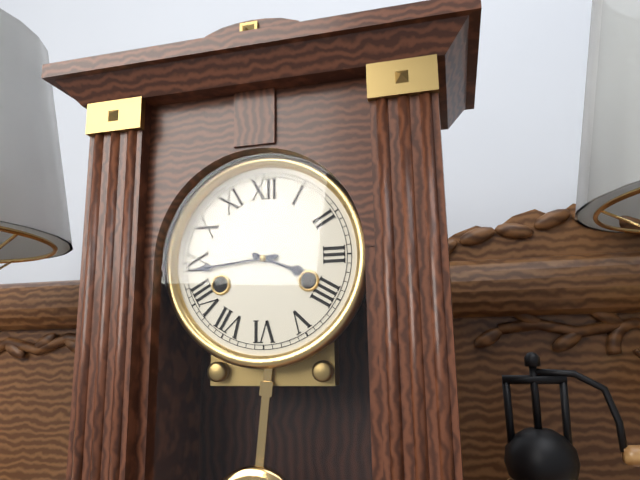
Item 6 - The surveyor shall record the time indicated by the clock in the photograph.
3:44
